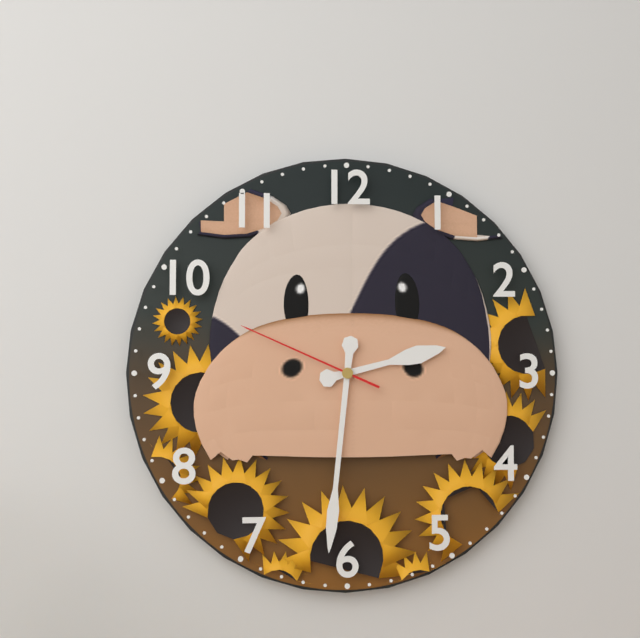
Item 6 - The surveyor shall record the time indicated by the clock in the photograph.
2:31:49
